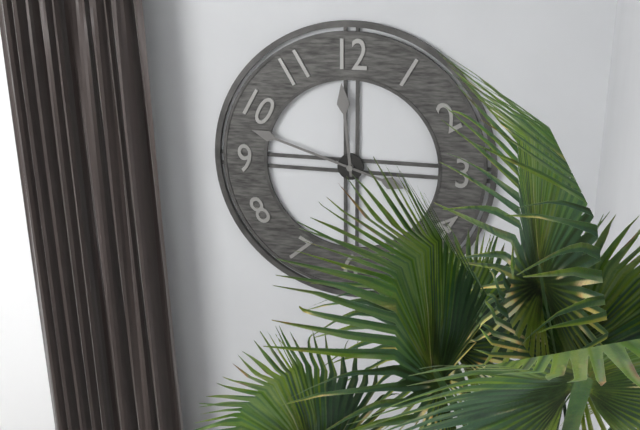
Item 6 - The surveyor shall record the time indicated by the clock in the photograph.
11:48
